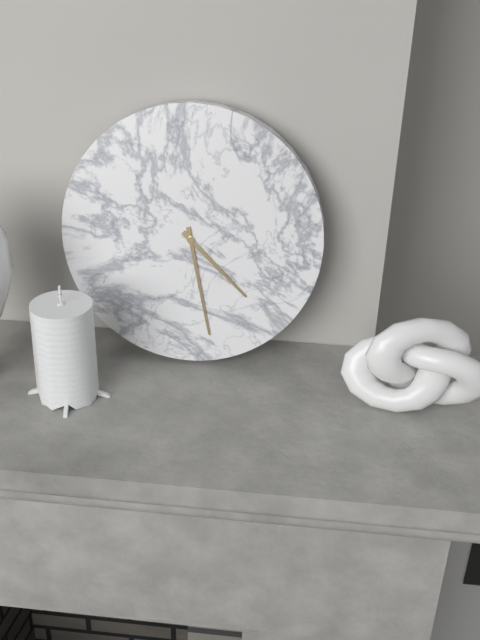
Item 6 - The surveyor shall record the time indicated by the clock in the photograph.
4:28
